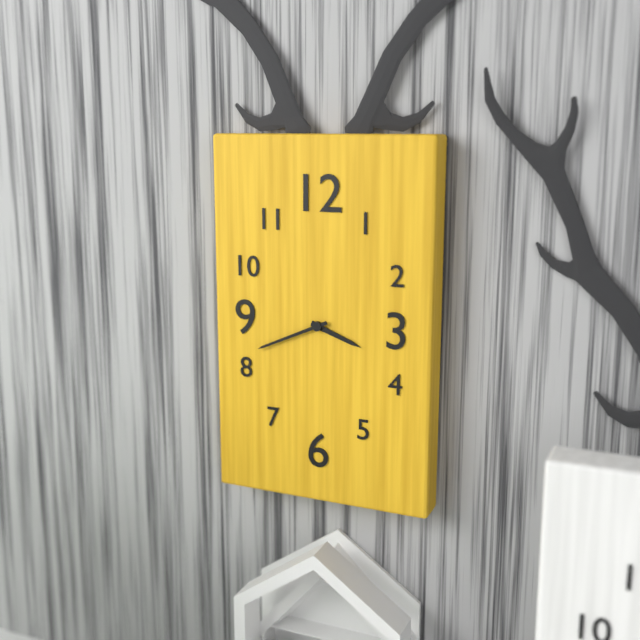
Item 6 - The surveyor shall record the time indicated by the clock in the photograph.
3:41
